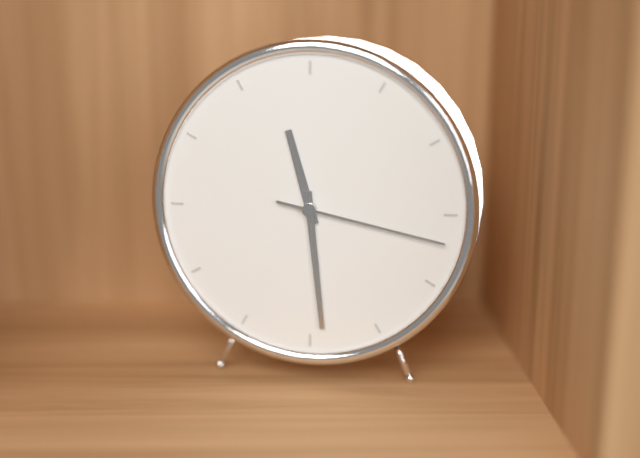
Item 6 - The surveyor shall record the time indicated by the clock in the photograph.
11:29:17
